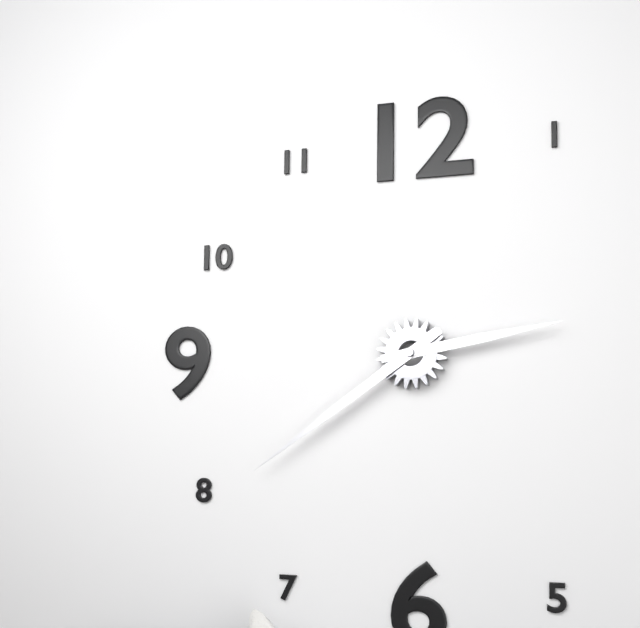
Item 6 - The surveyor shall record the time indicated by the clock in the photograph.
2:39
